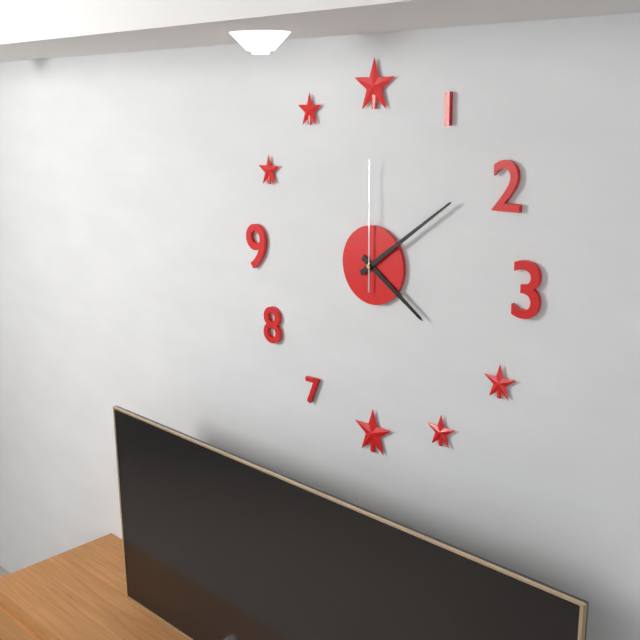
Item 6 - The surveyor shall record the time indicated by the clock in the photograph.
4:09:00
